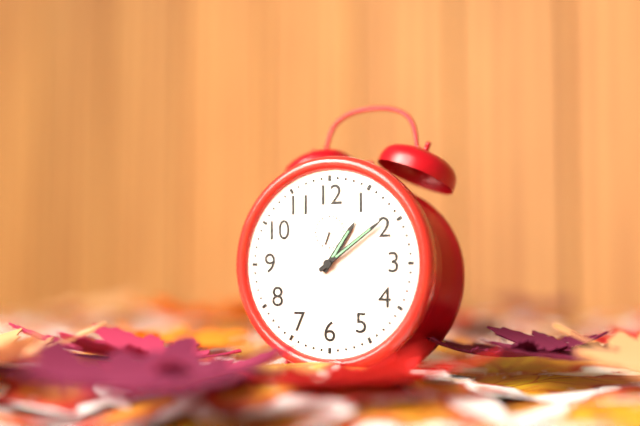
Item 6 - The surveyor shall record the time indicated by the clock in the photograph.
1:09
